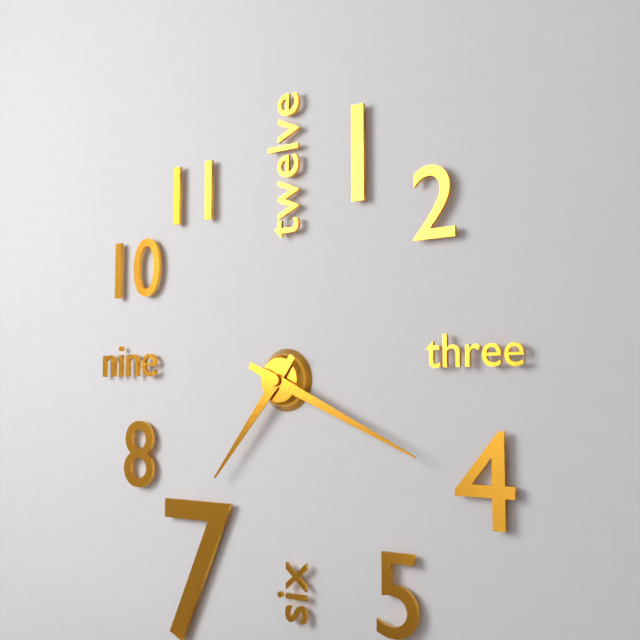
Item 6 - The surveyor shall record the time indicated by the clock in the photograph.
7:19
